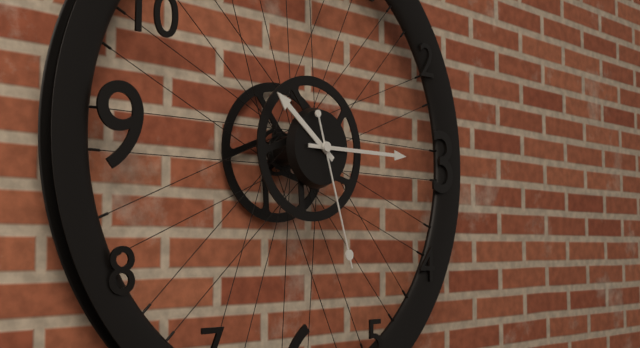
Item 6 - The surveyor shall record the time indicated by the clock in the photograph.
10:15:27
